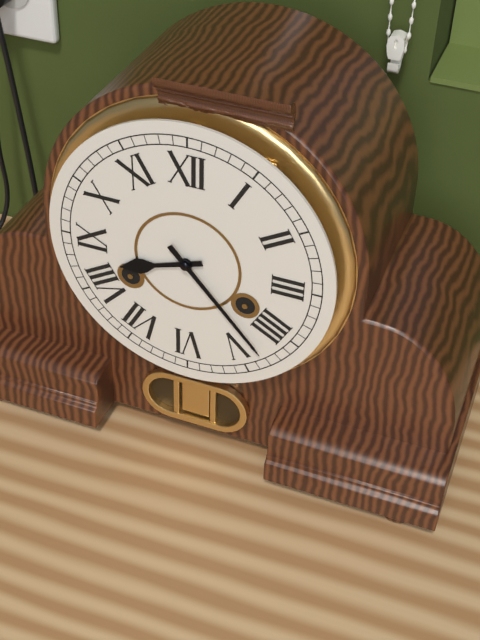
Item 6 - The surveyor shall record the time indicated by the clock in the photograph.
8:23
